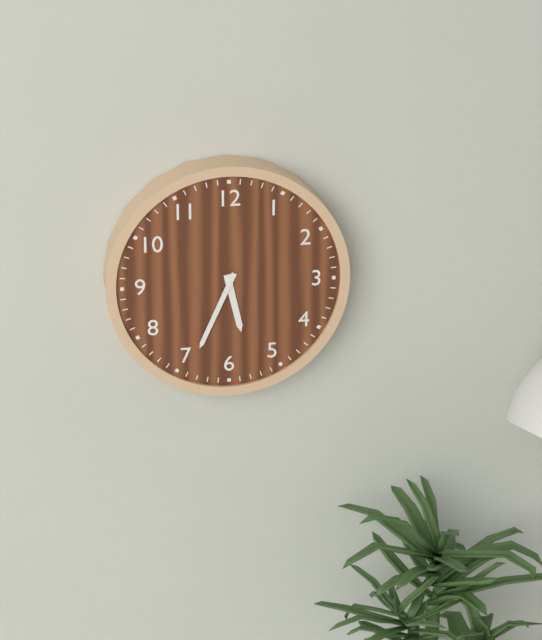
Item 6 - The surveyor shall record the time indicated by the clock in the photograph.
5:34
